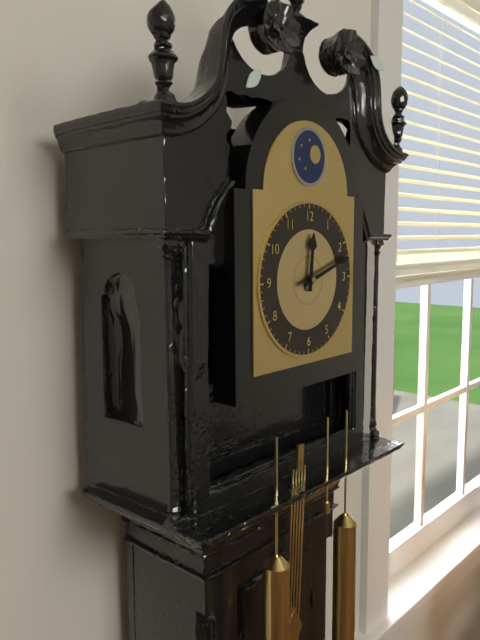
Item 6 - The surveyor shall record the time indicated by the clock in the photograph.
12:12
